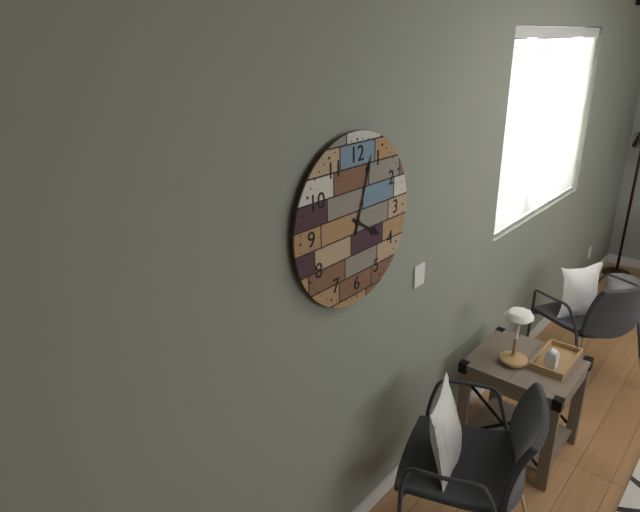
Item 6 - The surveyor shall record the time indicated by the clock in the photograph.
4:03
